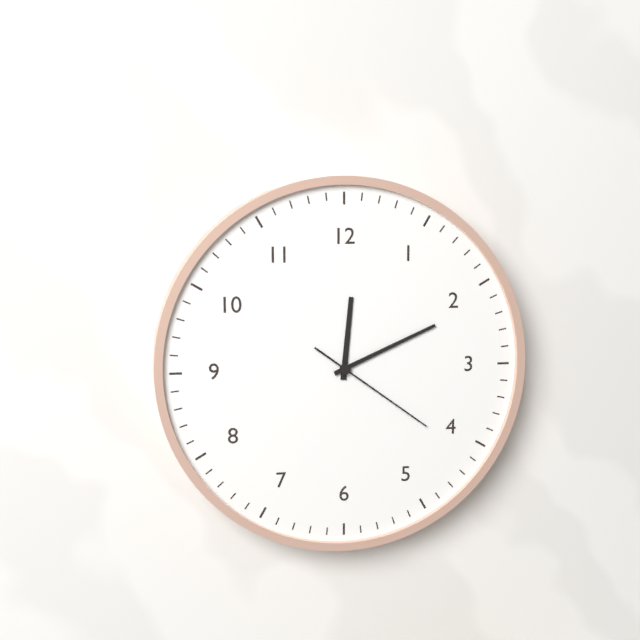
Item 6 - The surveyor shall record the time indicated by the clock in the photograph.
12:11:21
